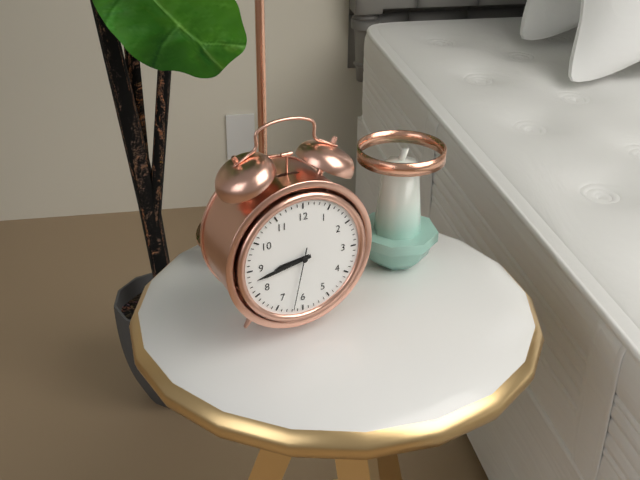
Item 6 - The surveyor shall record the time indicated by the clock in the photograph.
8:43:32
